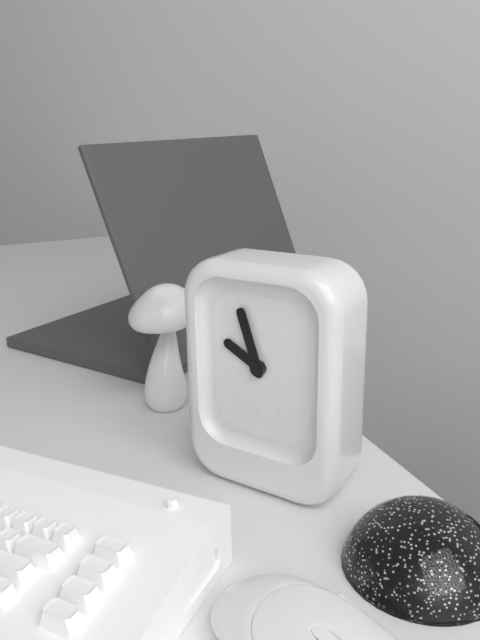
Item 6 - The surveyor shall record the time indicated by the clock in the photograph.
9:57
